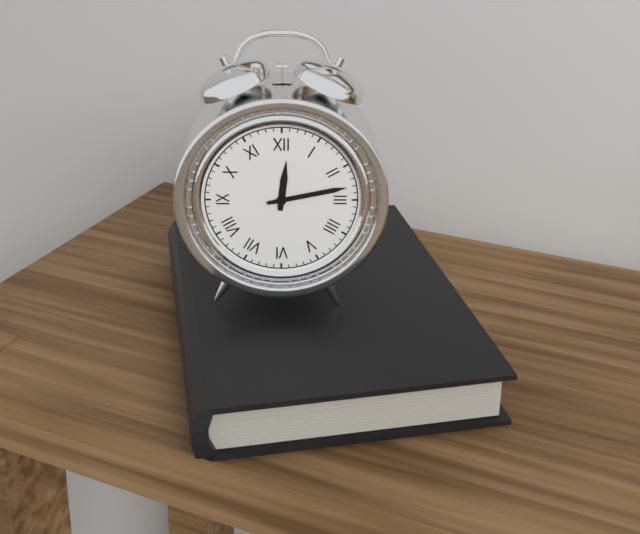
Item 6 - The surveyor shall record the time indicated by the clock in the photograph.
12:13
